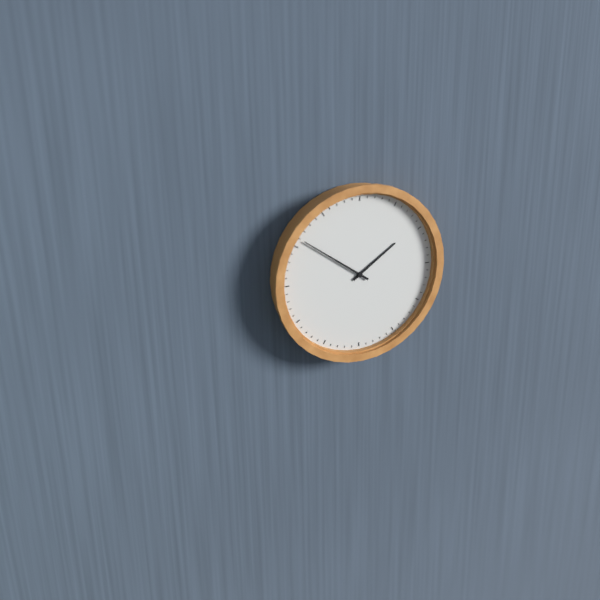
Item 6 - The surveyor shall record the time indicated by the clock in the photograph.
1:51
